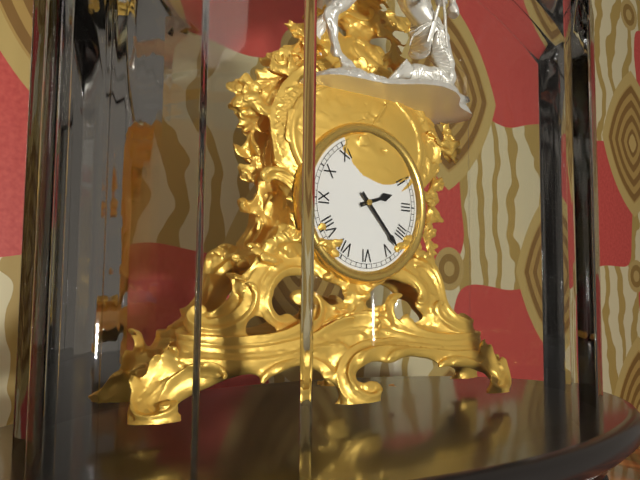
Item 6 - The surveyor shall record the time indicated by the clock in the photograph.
2:23
